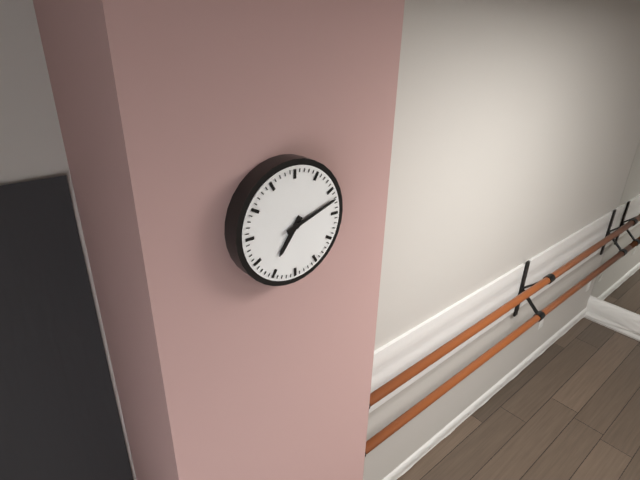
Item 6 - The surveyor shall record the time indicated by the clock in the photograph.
7:12
